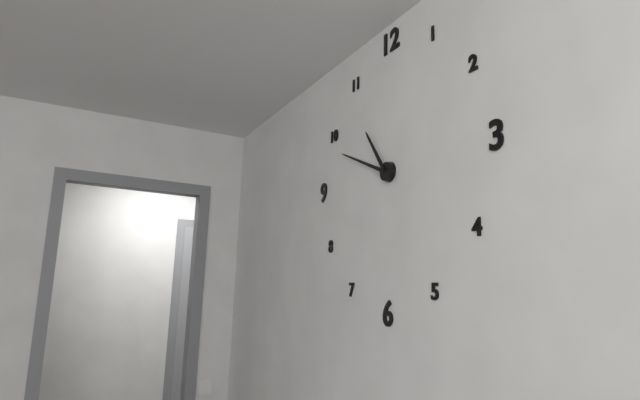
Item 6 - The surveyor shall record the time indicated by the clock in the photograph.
10:49
